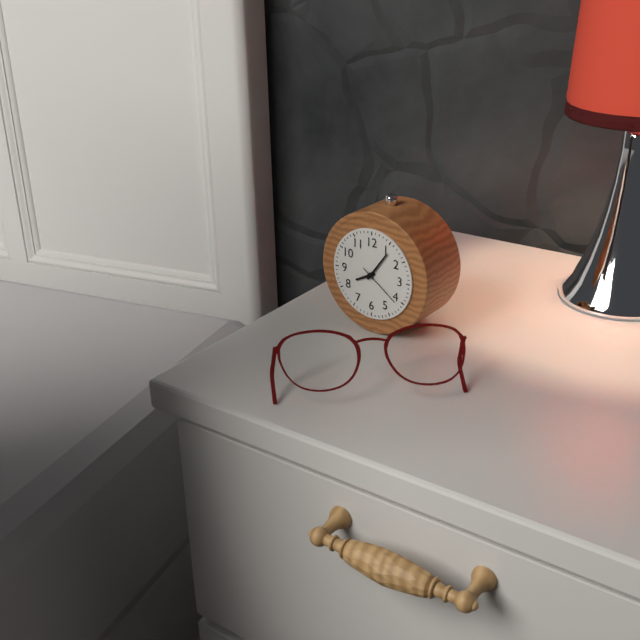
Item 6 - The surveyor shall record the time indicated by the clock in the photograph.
8:06
